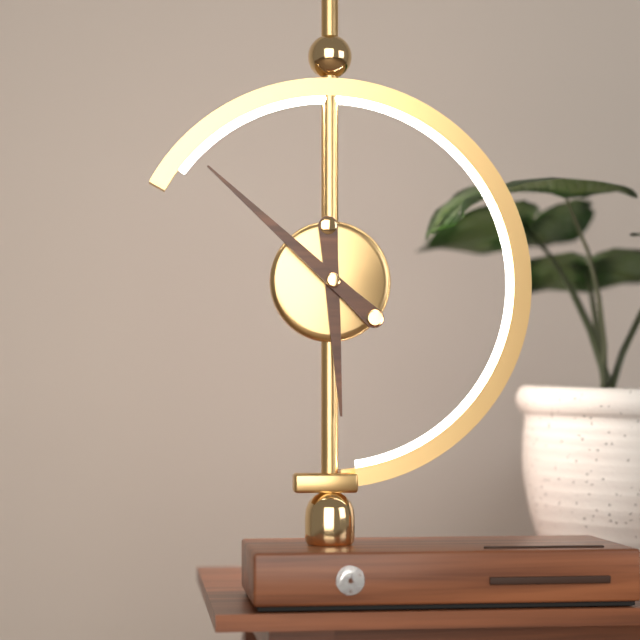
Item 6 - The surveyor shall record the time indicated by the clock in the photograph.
5:52
